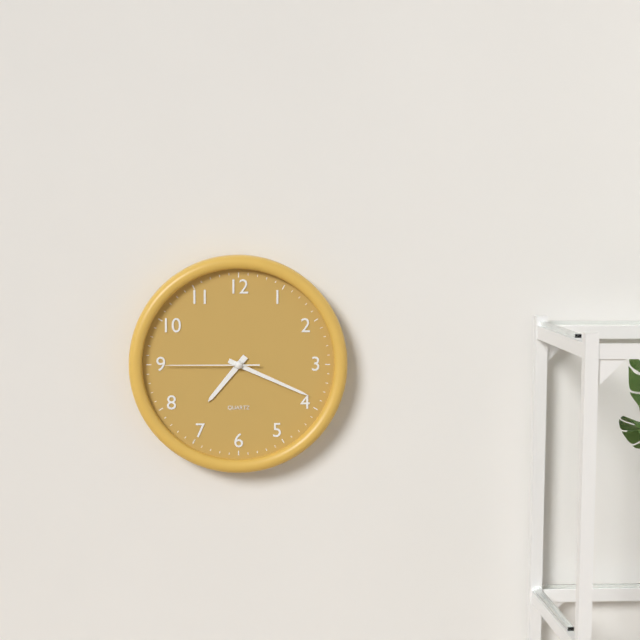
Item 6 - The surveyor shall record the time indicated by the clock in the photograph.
7:19:45
